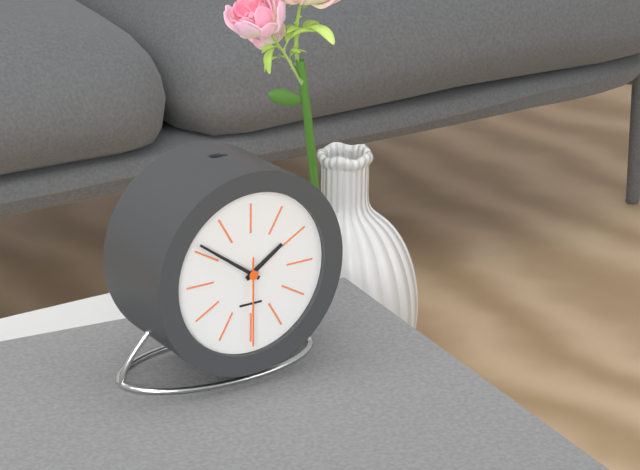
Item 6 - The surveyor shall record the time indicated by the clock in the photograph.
1:51:30
